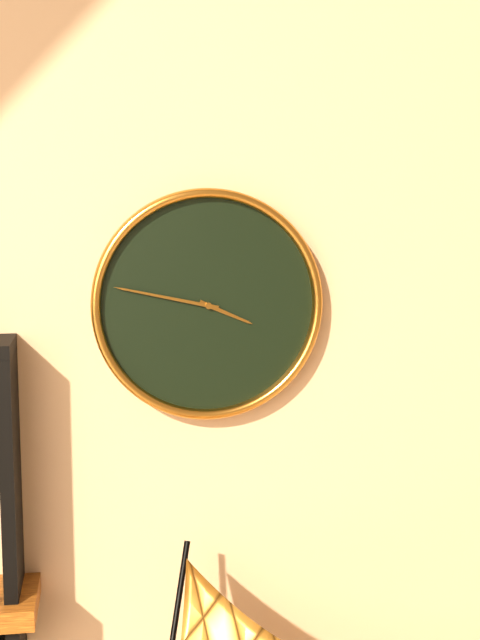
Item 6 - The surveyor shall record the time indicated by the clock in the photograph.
3:47
